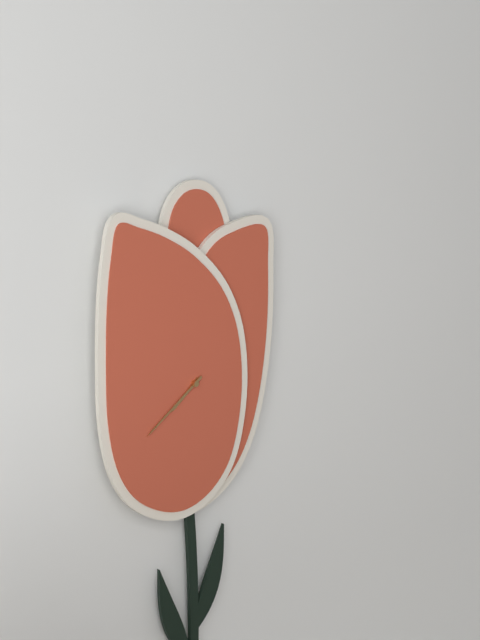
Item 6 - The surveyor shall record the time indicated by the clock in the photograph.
7:39
